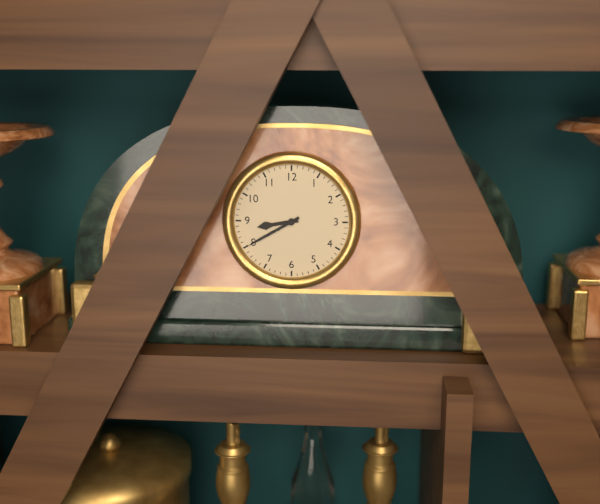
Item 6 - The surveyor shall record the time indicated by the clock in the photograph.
8:40
